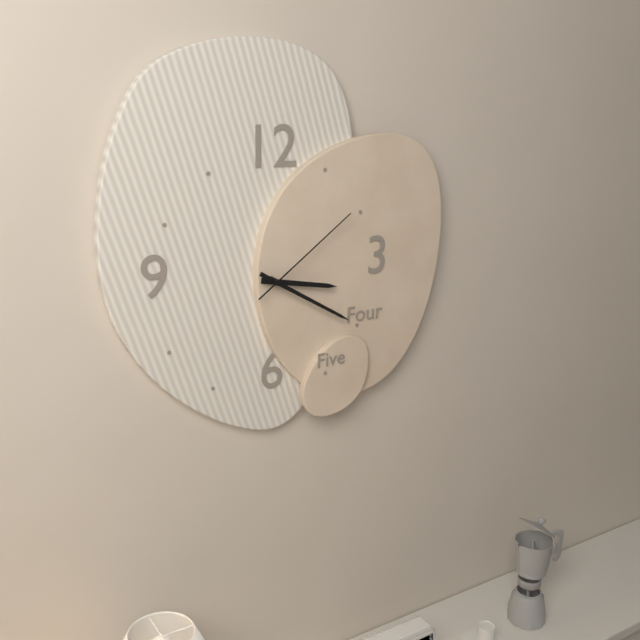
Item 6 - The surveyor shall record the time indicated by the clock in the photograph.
3:20:09
